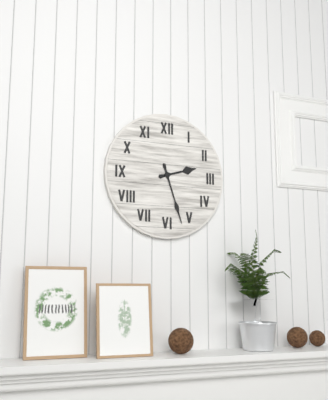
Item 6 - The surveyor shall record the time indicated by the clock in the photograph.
2:27
